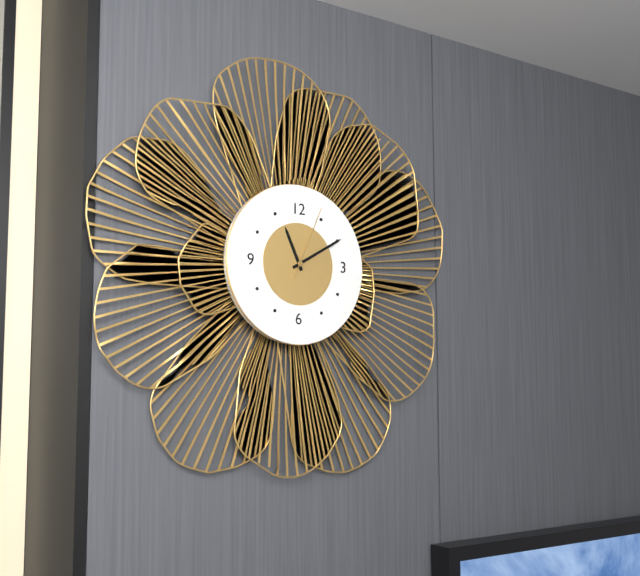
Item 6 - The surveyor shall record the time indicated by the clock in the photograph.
11:10:04
